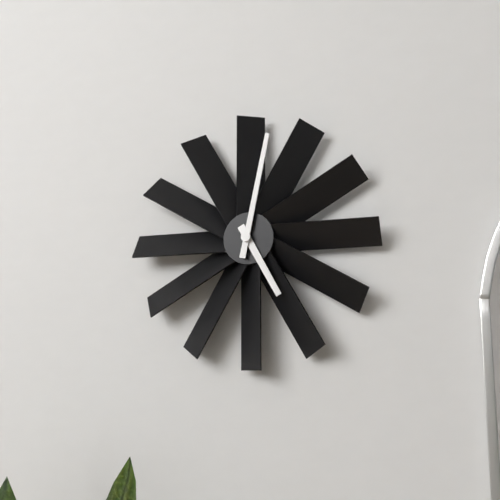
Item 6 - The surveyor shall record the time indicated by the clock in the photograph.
5:02
